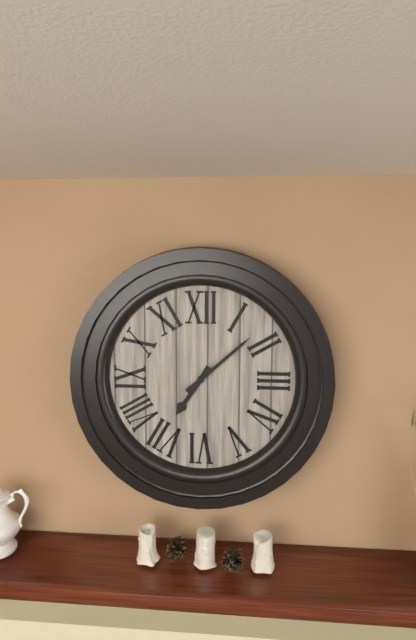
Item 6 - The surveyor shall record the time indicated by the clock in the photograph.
7:08
